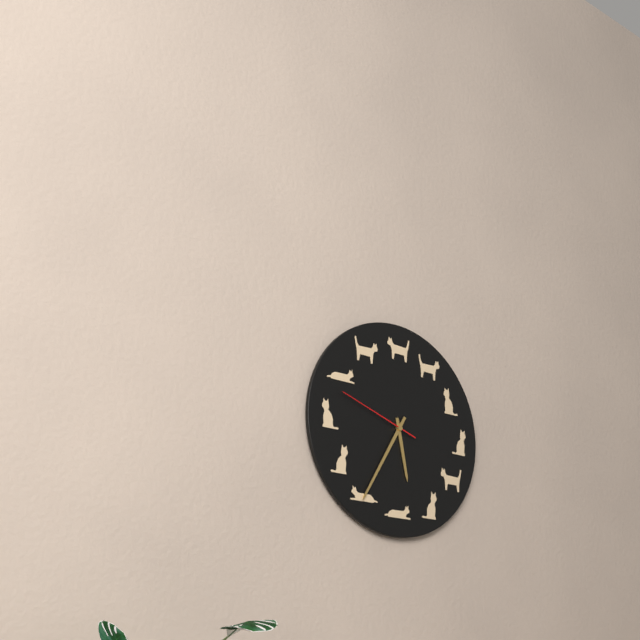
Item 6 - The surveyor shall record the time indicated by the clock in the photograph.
5:35:48
